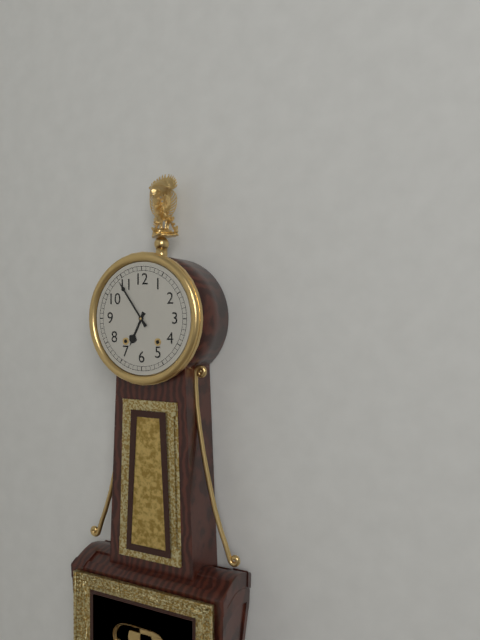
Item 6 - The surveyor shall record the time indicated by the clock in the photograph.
6:54
